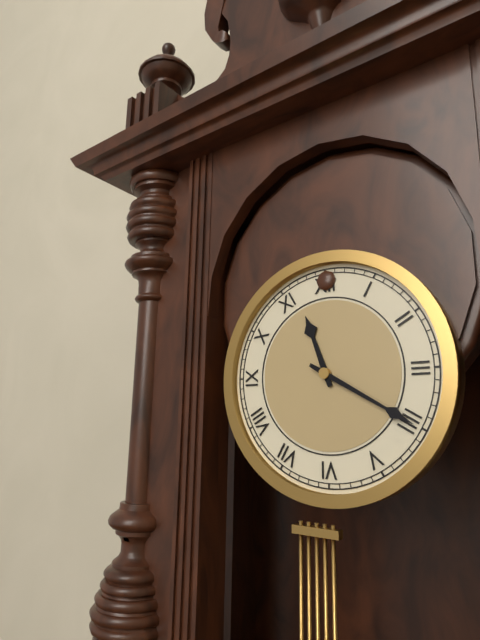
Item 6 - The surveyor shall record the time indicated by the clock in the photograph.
11:20
